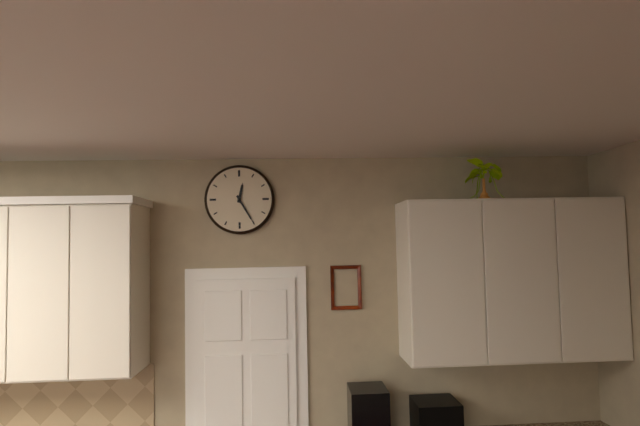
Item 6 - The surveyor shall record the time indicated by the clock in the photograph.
12:25
